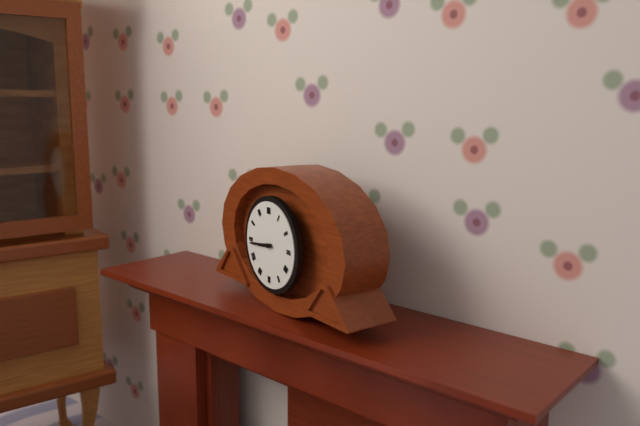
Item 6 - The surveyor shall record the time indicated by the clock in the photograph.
8:44
